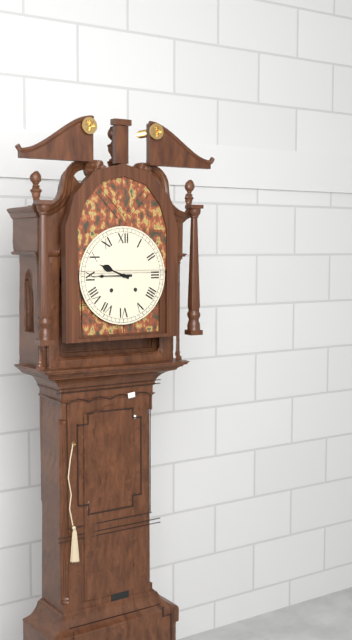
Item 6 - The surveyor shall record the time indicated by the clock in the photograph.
9:45
